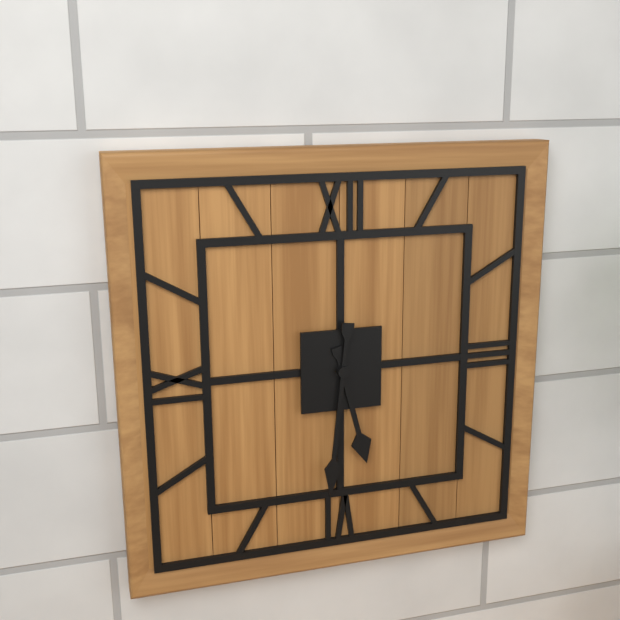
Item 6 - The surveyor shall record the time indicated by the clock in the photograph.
5:31
